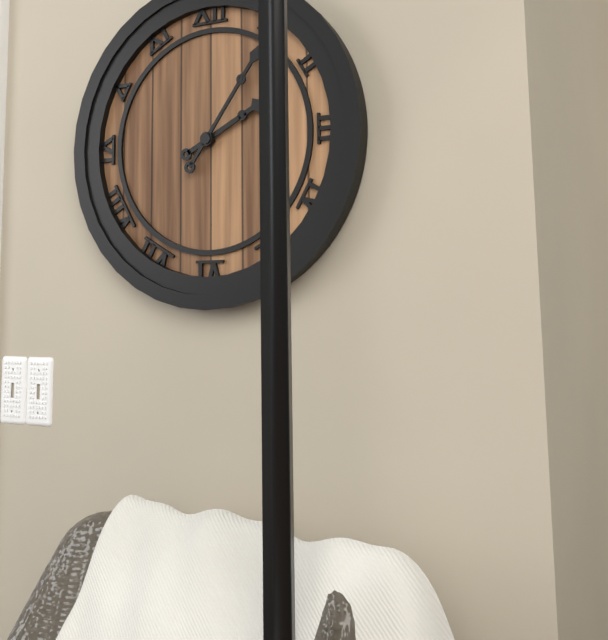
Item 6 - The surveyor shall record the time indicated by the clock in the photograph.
2:06
